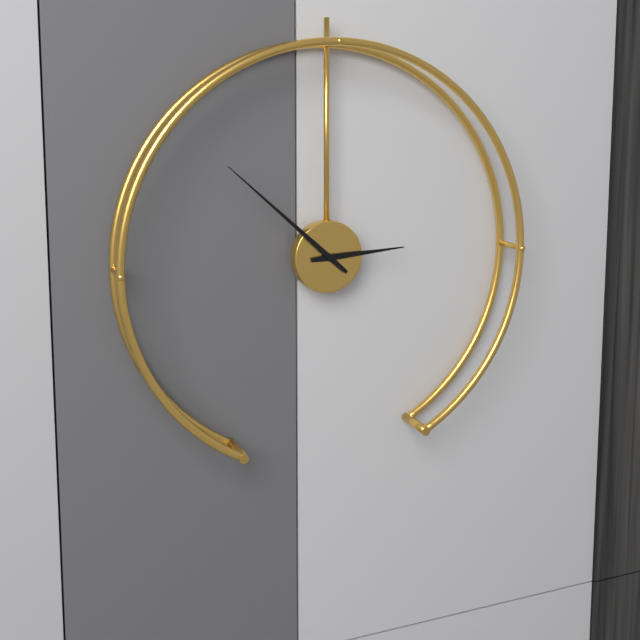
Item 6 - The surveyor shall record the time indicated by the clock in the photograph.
2:52
